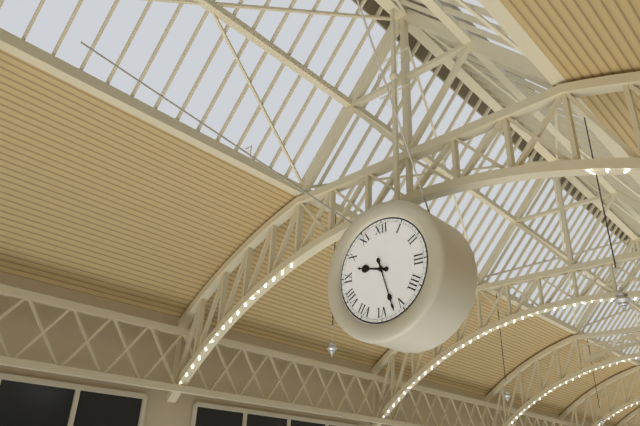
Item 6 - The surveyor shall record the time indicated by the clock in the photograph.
9:27
